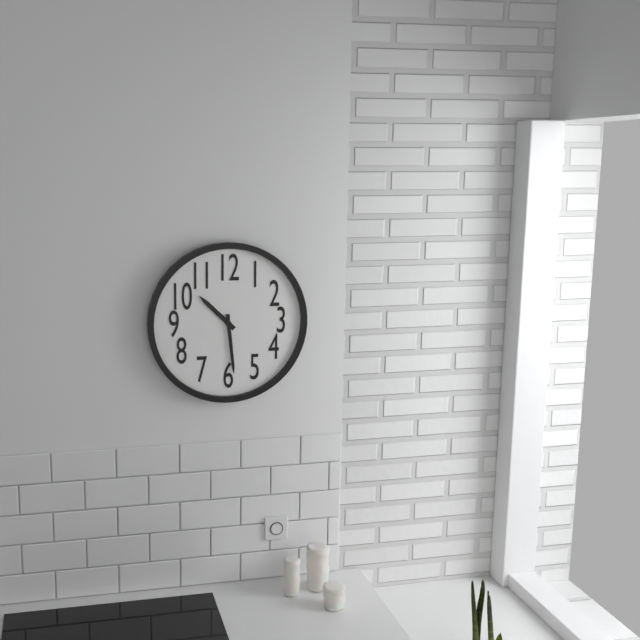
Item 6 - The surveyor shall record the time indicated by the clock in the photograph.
10:29
